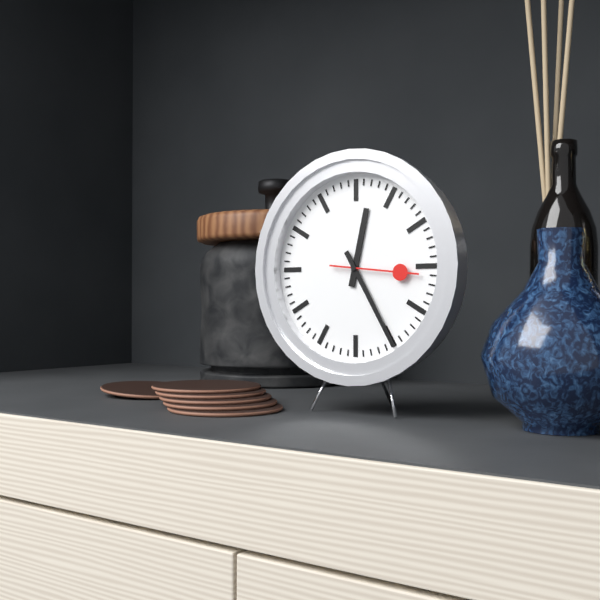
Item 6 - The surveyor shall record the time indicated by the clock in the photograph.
12:25:16
